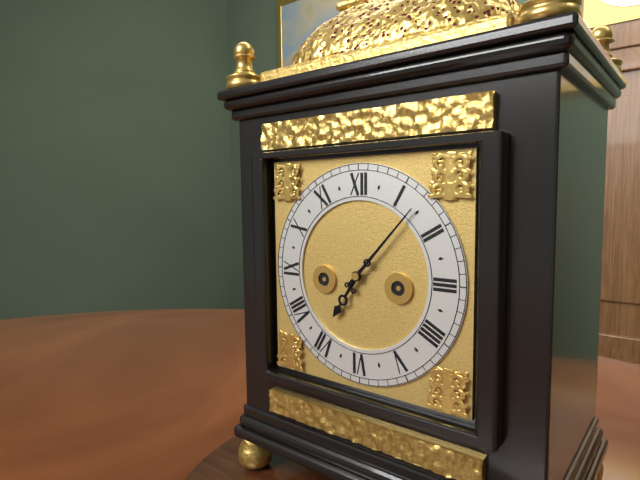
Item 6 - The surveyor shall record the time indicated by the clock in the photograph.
7:07
